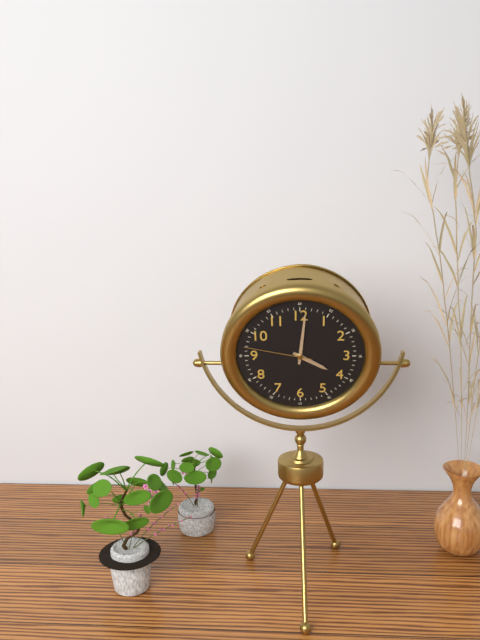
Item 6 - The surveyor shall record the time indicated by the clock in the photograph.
4:01:47
